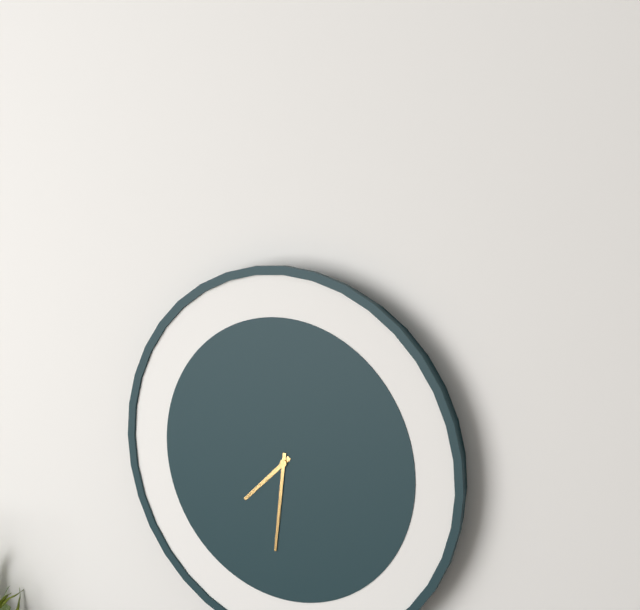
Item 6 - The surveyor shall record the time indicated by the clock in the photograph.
7:31
